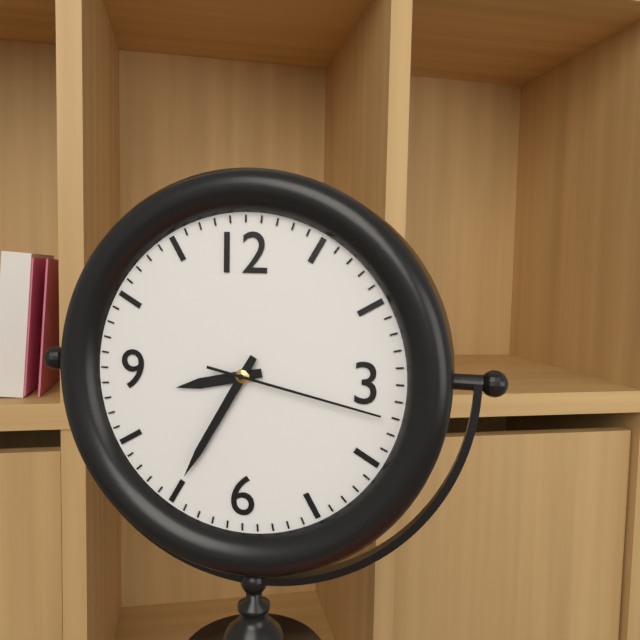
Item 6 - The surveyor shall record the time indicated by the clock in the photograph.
8:35:17
